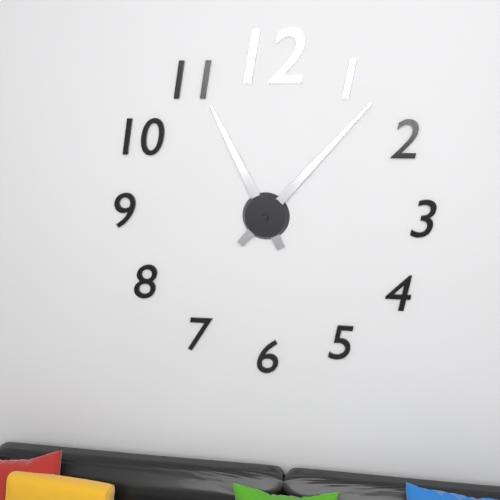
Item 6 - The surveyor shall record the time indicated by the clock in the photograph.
11:07
